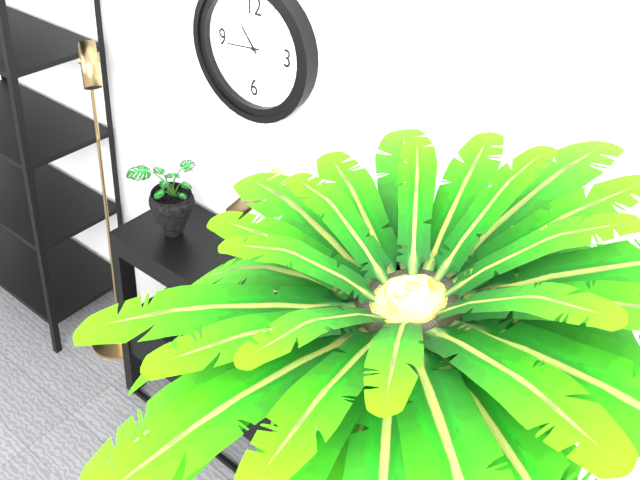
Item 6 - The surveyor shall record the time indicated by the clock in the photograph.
10:44
